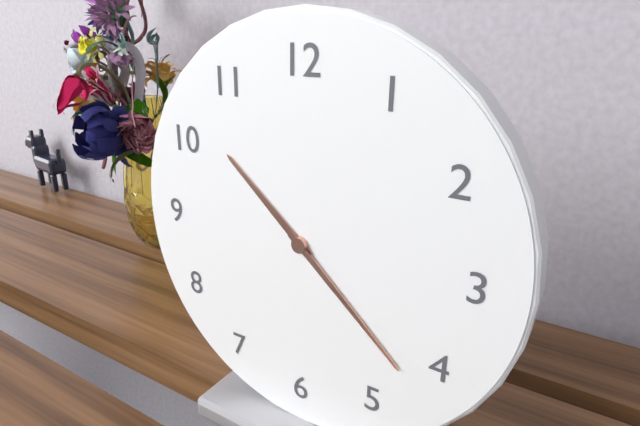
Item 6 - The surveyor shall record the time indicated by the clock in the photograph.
10:22
